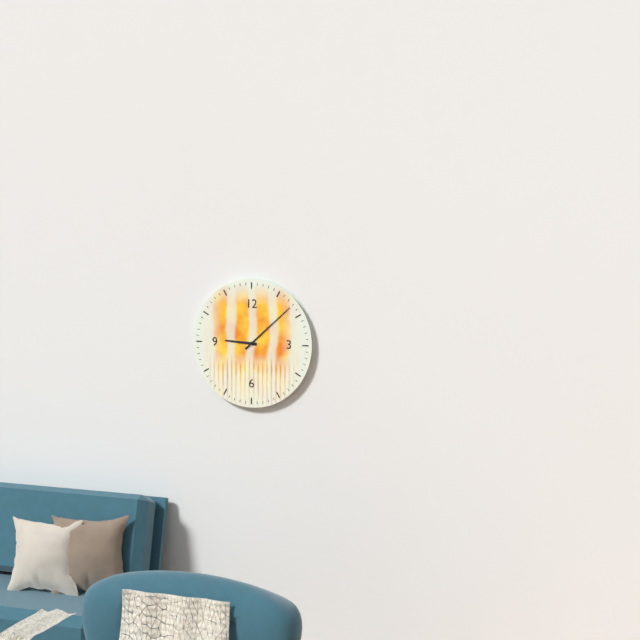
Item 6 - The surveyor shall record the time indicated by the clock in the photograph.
9:08
